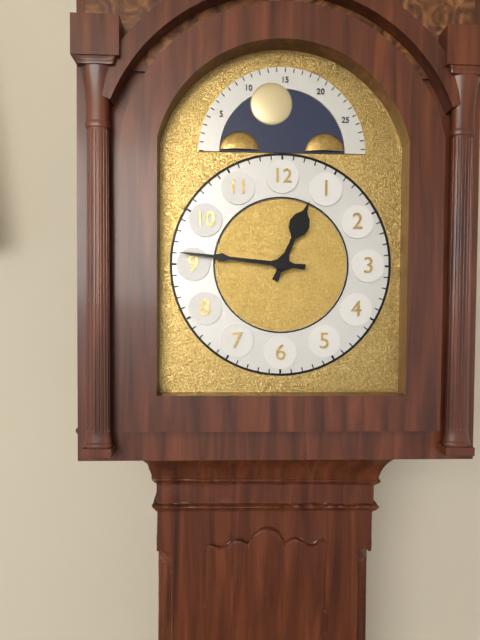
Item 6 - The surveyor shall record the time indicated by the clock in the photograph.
12:46
